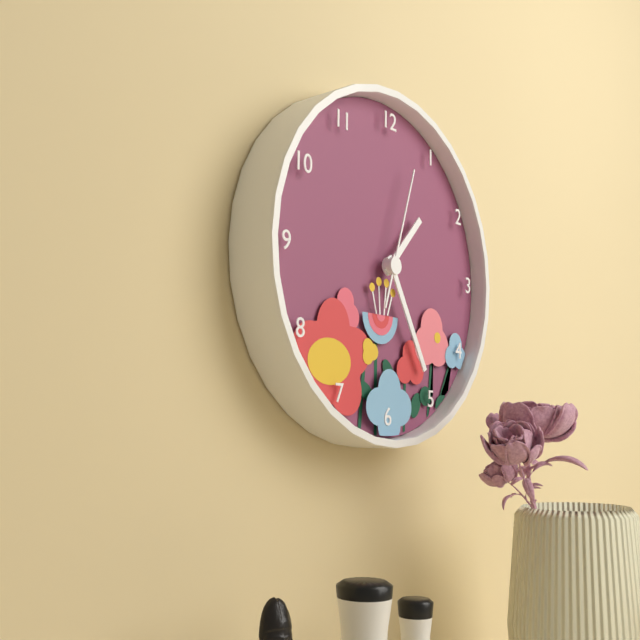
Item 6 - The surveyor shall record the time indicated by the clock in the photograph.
1:25:03
